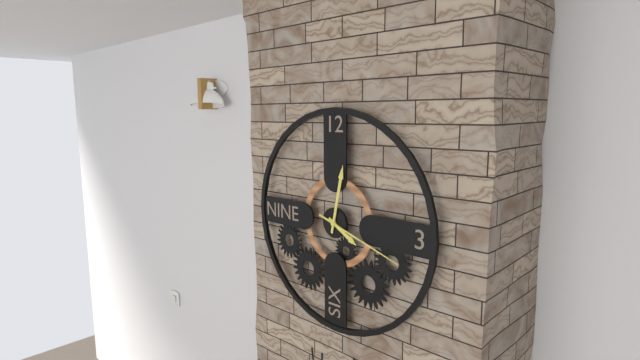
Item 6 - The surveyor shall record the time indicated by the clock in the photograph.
4:02:18
